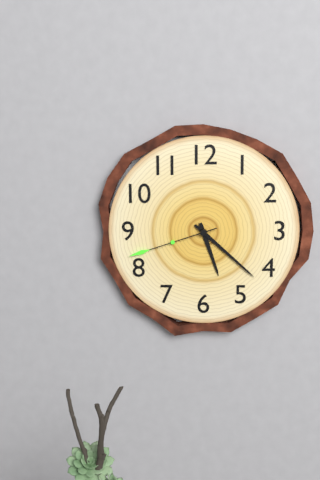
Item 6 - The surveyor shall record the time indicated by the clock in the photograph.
5:22:42
